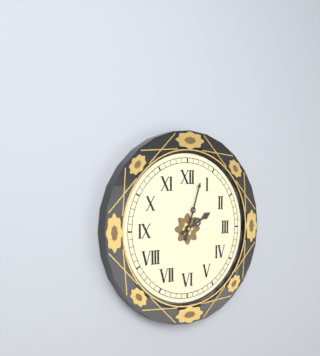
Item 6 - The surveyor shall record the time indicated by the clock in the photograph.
2:03
